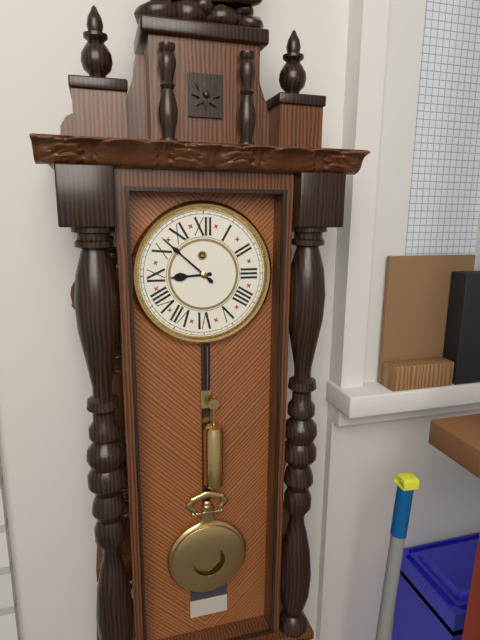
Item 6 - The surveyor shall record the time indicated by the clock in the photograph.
8:52
